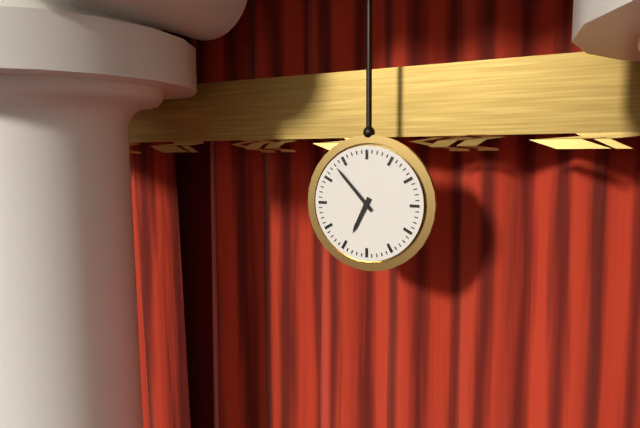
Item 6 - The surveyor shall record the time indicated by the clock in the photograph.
6:53
